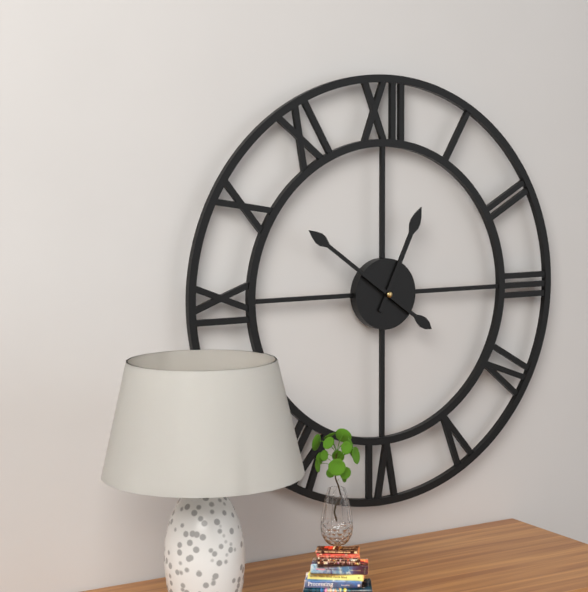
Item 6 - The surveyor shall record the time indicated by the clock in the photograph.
12:51
